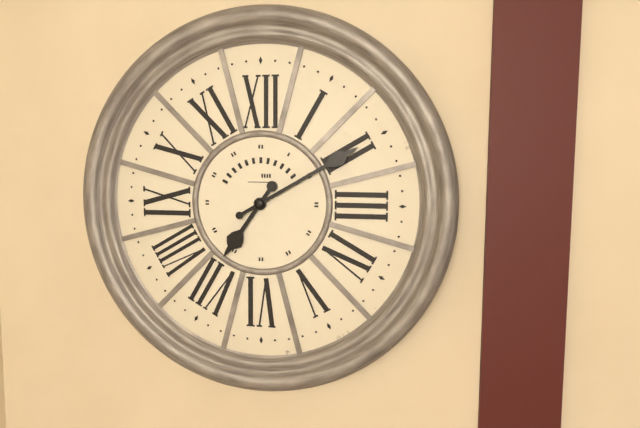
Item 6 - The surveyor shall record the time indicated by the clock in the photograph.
7:10
